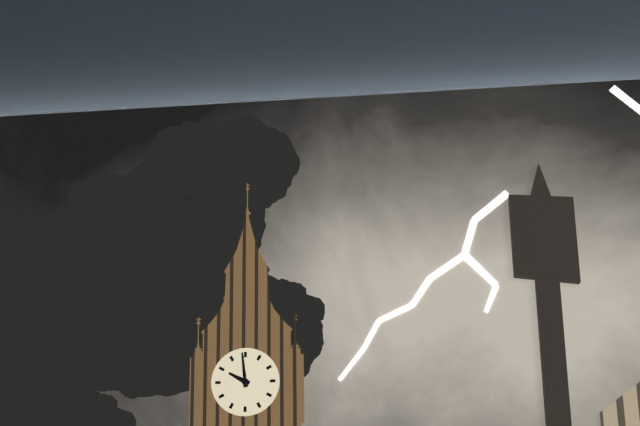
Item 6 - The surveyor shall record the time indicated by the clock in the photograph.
9:59
